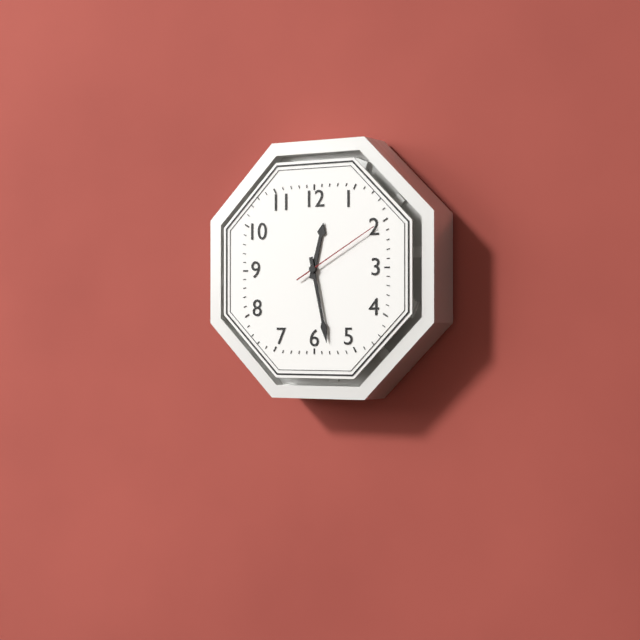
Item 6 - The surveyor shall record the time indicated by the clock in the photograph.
12:28:10
